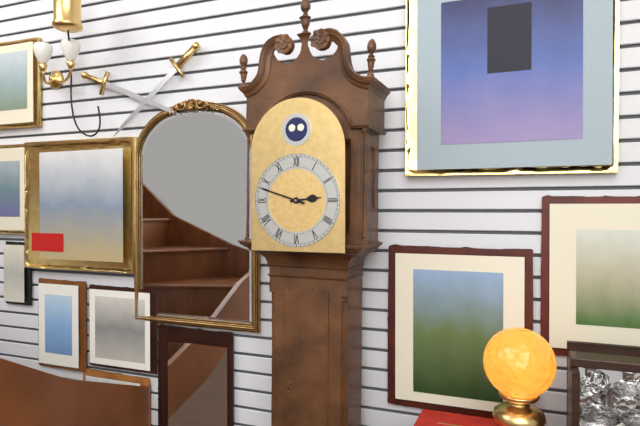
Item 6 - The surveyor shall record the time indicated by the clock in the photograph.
2:48
